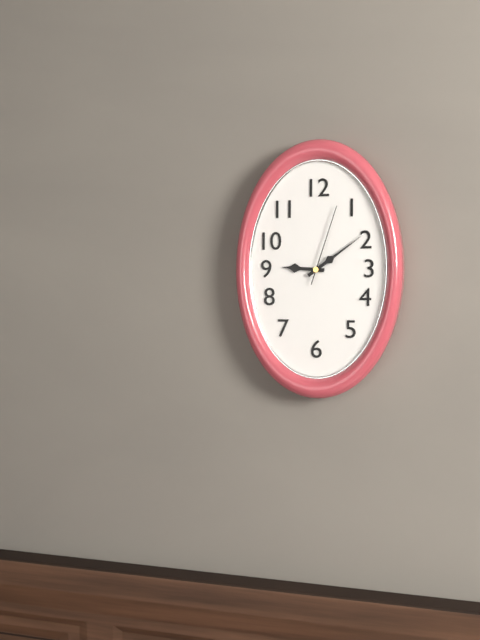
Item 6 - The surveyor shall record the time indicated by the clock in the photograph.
9:09:03
